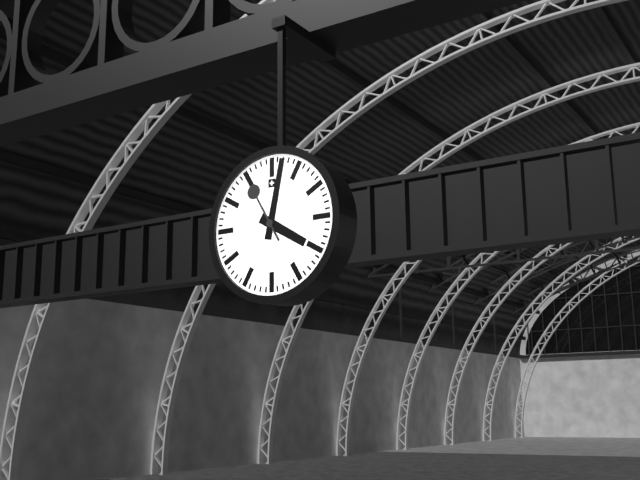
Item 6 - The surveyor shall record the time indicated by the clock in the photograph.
4:02:55
